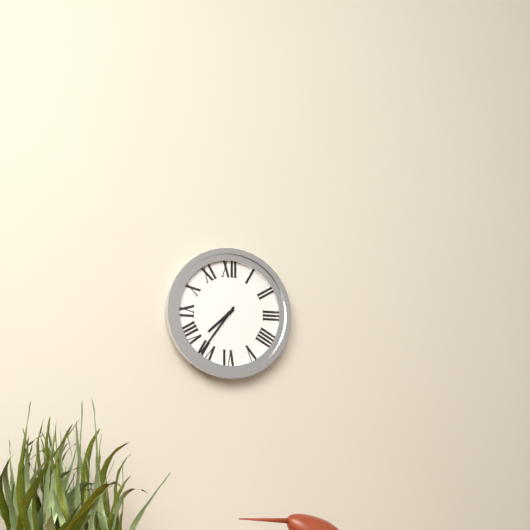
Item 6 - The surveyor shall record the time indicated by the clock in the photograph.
7:36
